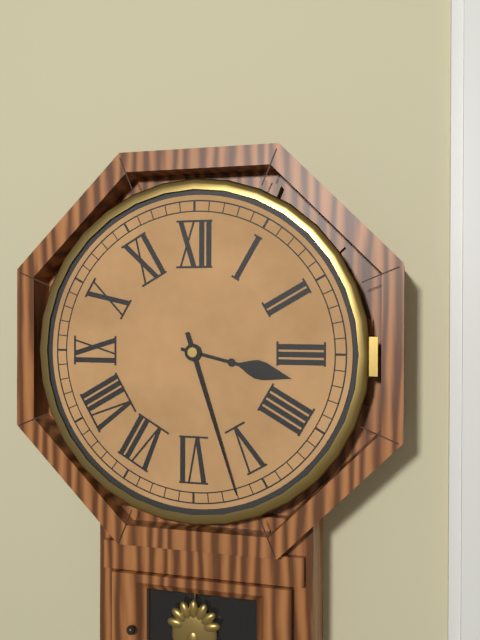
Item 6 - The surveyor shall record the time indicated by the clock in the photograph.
3:27
